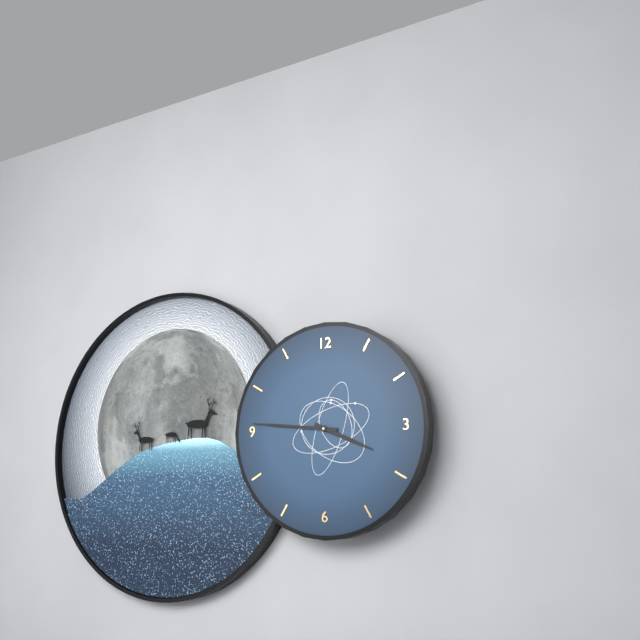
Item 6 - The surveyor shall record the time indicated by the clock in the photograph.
3:46
